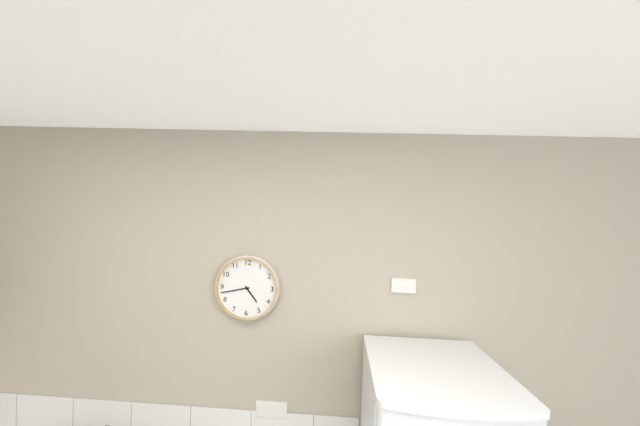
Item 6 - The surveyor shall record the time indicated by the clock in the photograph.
4:43
